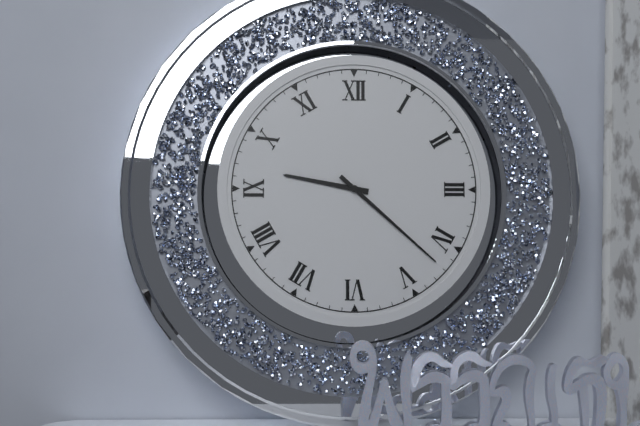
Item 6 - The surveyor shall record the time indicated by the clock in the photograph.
9:22
